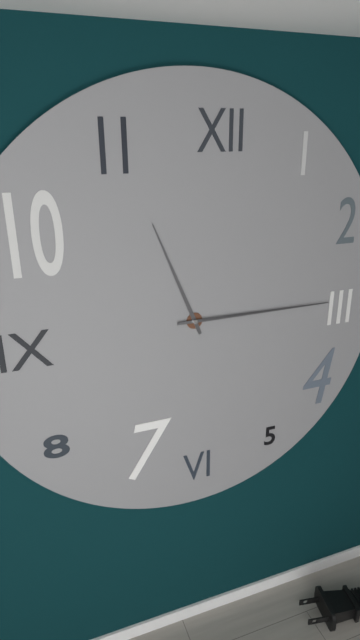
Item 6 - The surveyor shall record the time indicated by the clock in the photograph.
11:15
